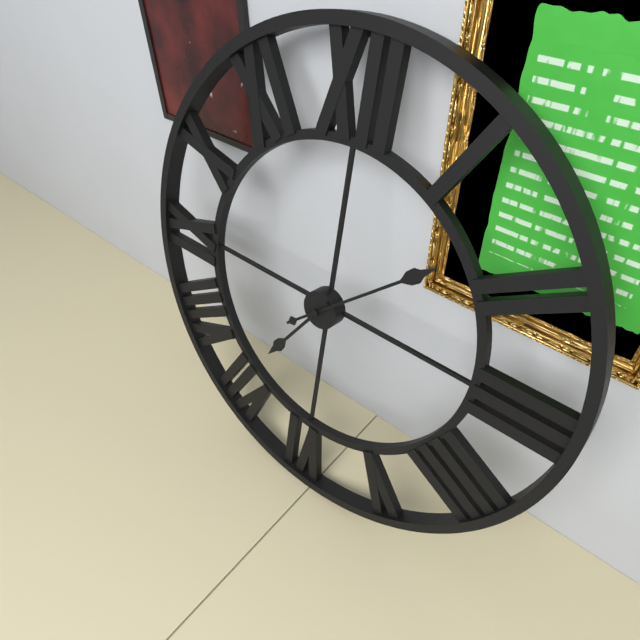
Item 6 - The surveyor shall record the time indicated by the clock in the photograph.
7:08
